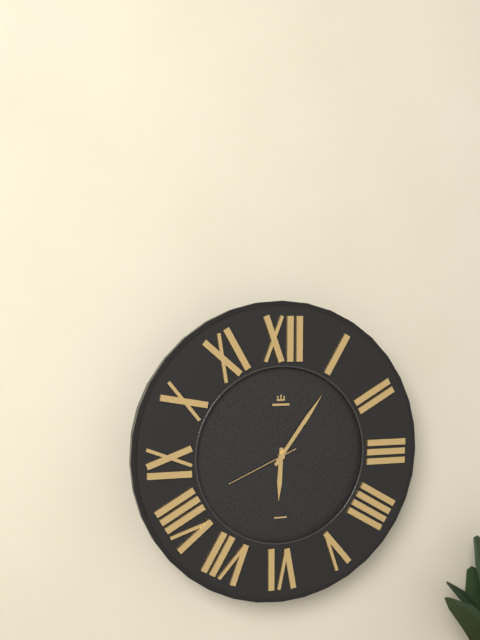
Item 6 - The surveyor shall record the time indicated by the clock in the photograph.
6:06:41
